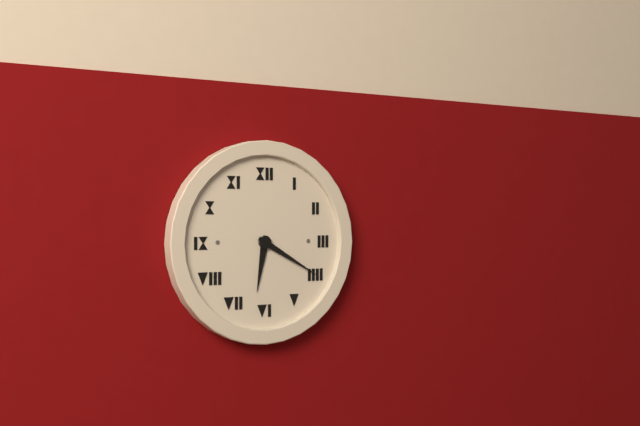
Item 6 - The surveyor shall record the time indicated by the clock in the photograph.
6:20
